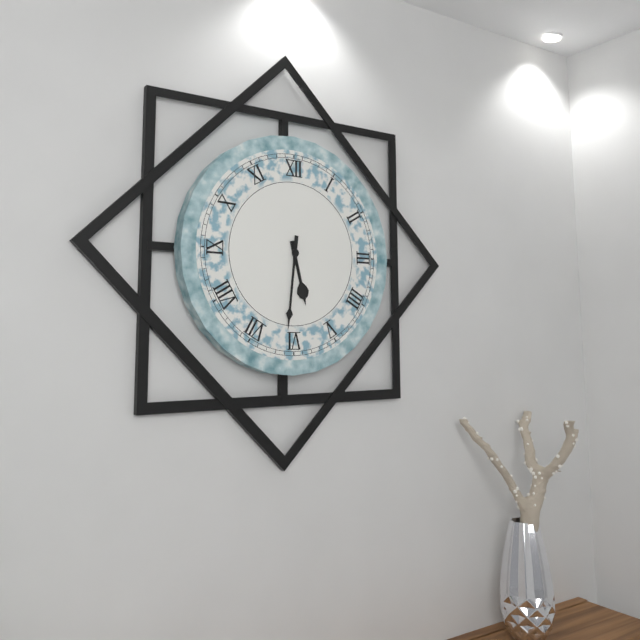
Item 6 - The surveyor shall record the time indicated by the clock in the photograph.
5:31
